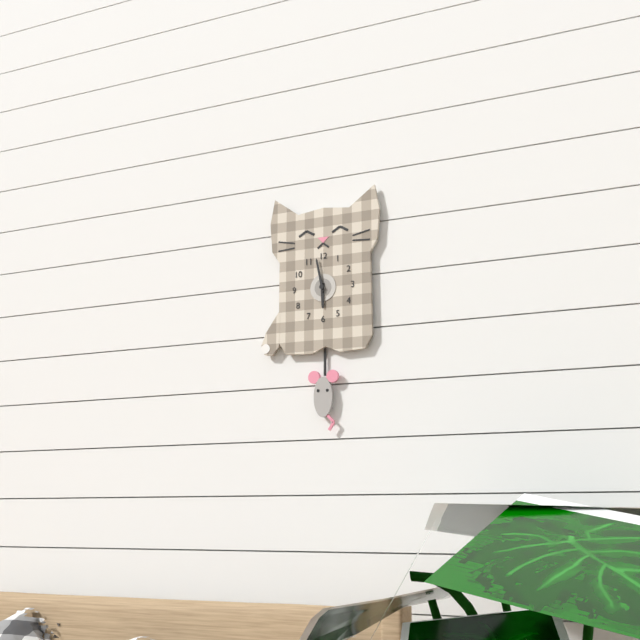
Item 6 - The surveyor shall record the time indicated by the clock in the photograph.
5:58
